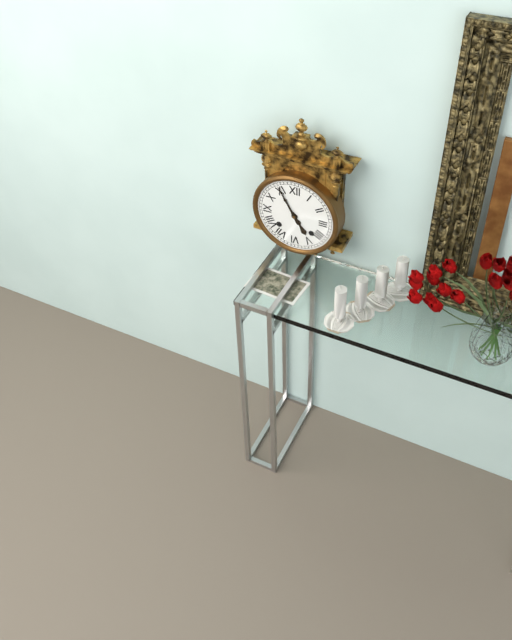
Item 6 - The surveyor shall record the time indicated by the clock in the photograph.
4:55
